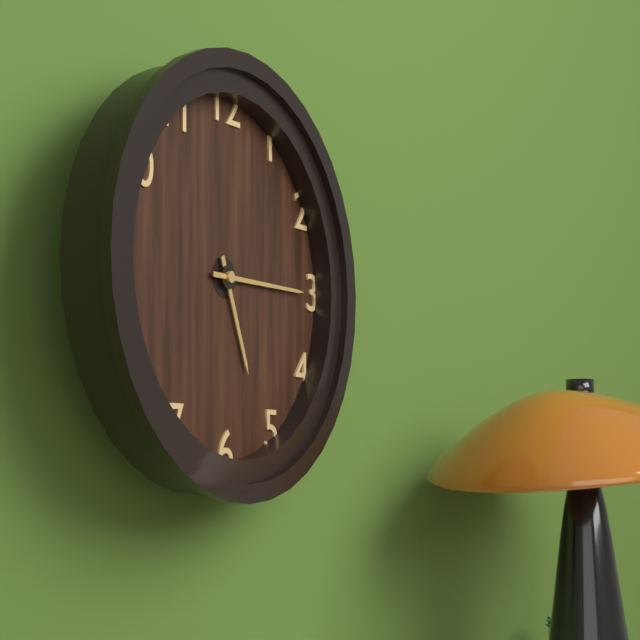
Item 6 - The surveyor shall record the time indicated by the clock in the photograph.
5:15
